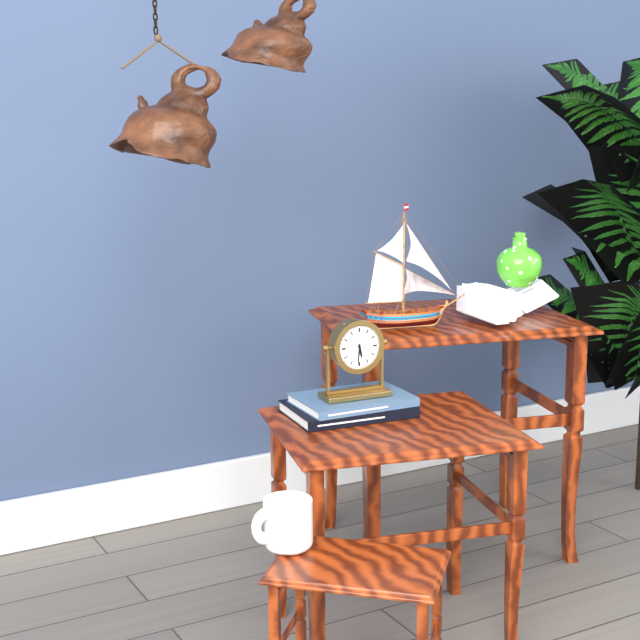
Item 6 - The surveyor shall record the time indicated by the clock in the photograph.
5:31
